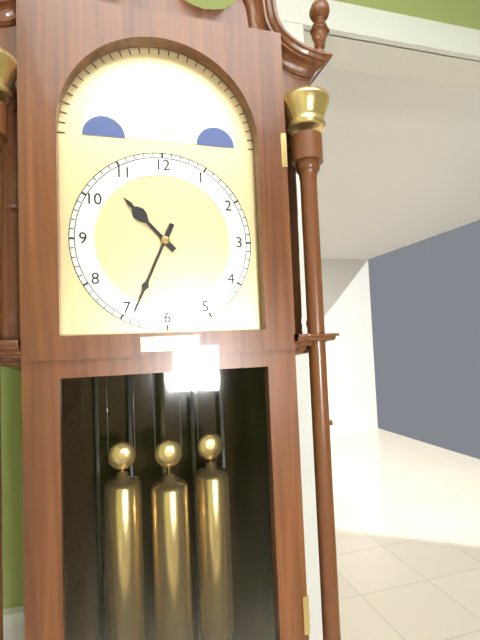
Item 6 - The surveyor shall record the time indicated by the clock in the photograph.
10:34
